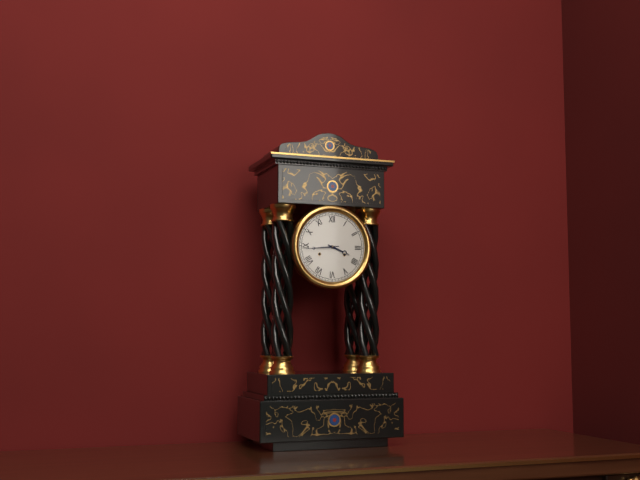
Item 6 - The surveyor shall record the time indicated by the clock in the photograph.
3:44
